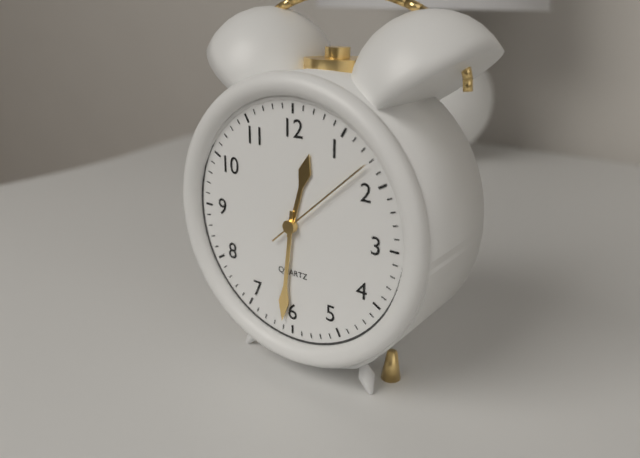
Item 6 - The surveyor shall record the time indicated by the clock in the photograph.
12:31:08
